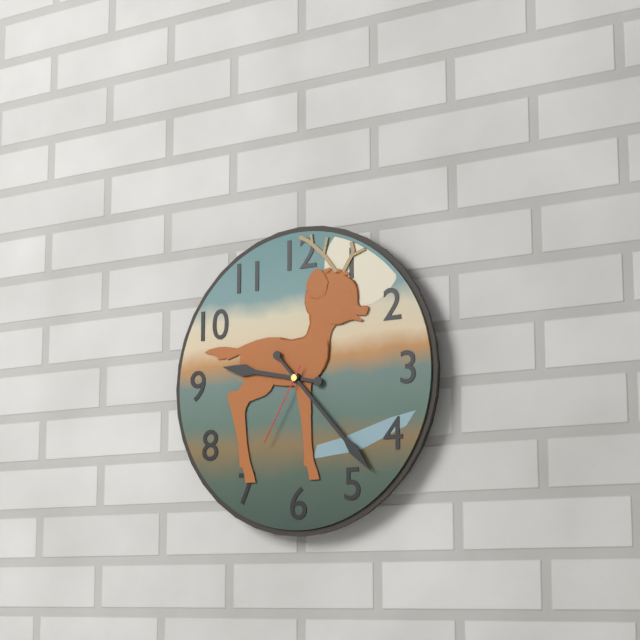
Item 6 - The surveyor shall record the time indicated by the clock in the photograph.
9:23:35
